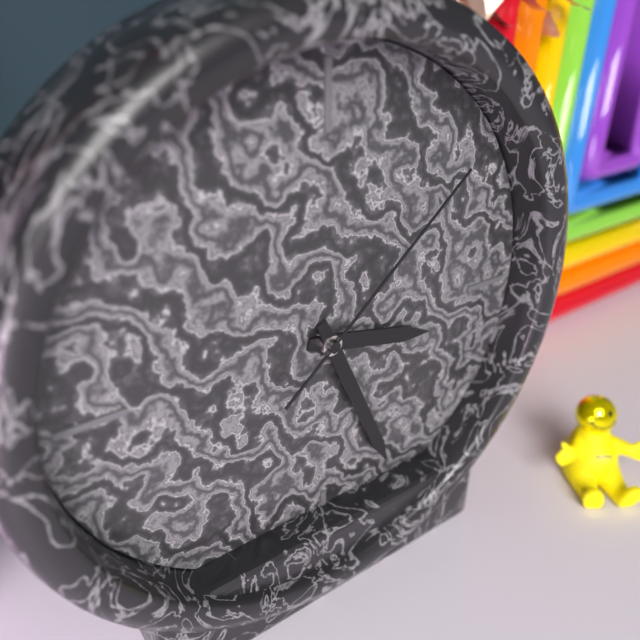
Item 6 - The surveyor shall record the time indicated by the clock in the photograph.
3:26:08
